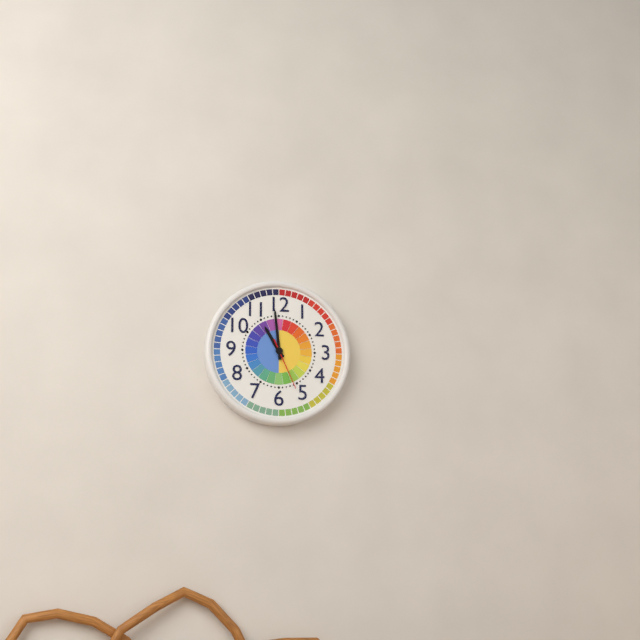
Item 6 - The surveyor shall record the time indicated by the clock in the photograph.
10:59:26
